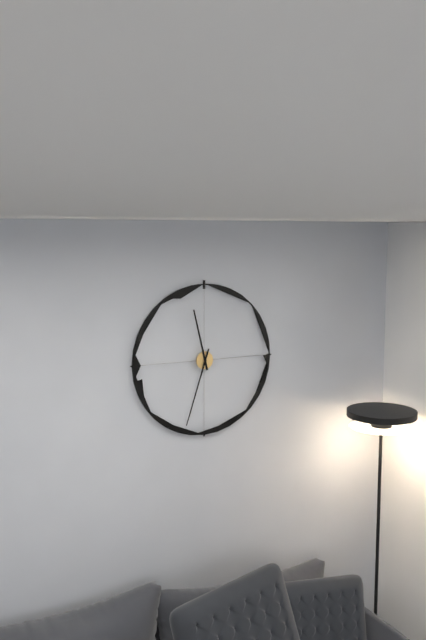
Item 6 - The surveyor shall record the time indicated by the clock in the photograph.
11:33
